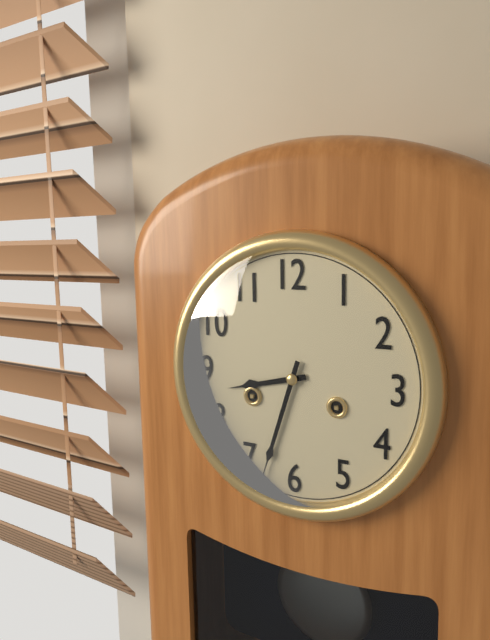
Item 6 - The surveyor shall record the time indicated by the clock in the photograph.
8:33
